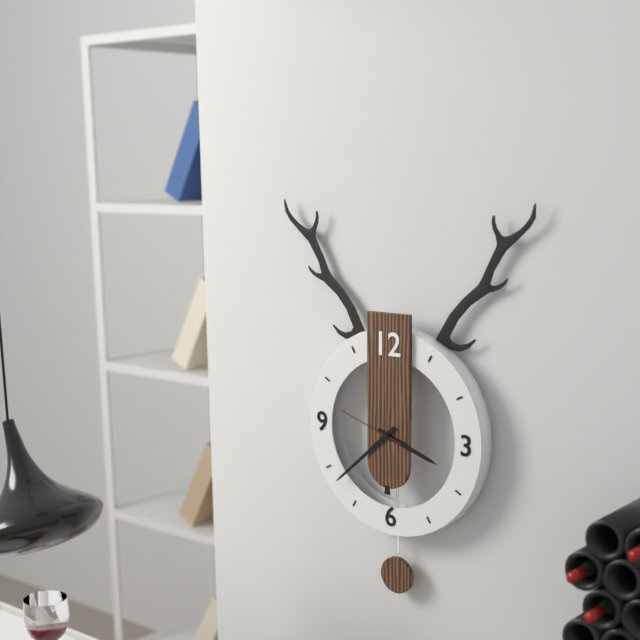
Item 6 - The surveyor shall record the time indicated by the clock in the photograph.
3:38:48
